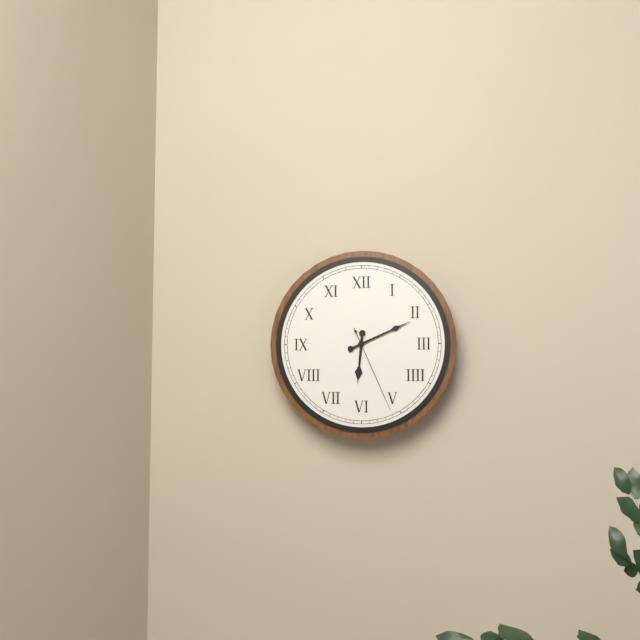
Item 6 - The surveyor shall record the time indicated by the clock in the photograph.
6:11:26
